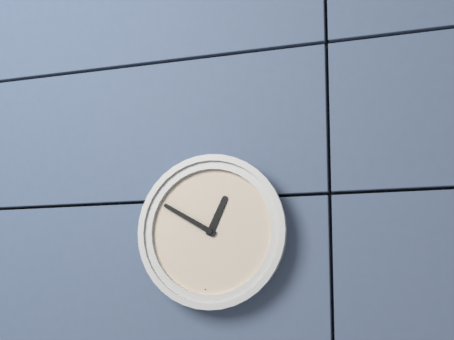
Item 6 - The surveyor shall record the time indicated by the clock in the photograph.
12:50
